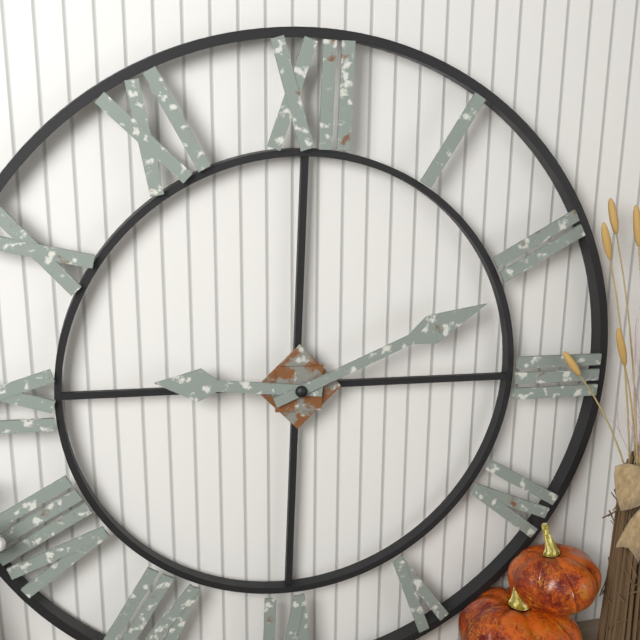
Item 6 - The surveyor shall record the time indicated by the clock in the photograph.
9:11
